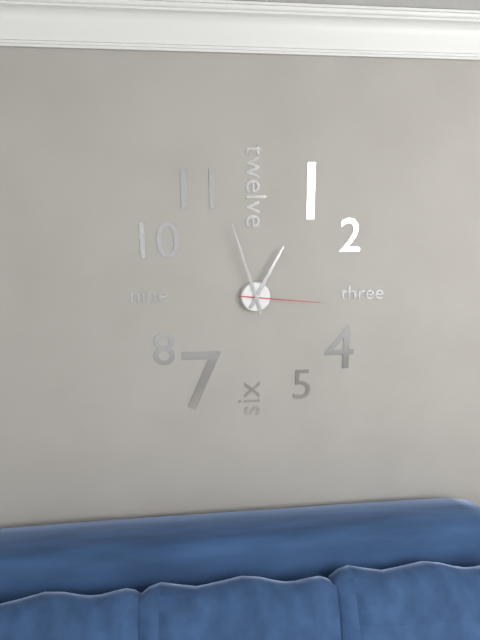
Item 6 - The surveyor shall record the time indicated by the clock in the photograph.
12:57:16
